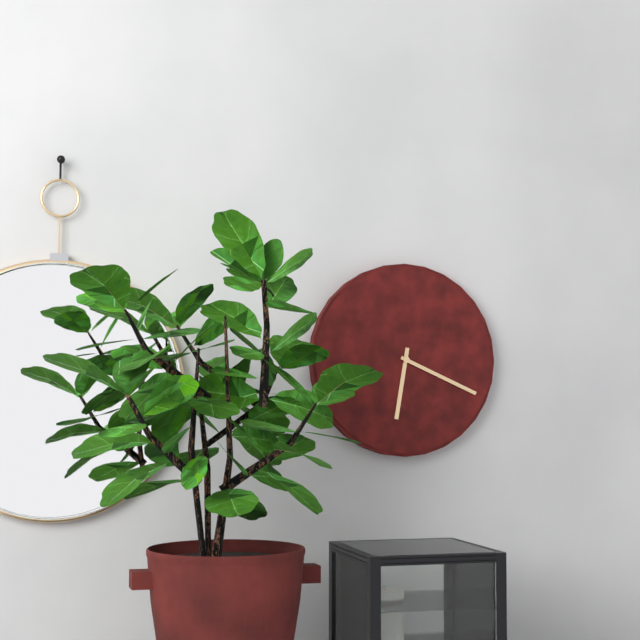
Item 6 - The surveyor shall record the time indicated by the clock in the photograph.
6:19
